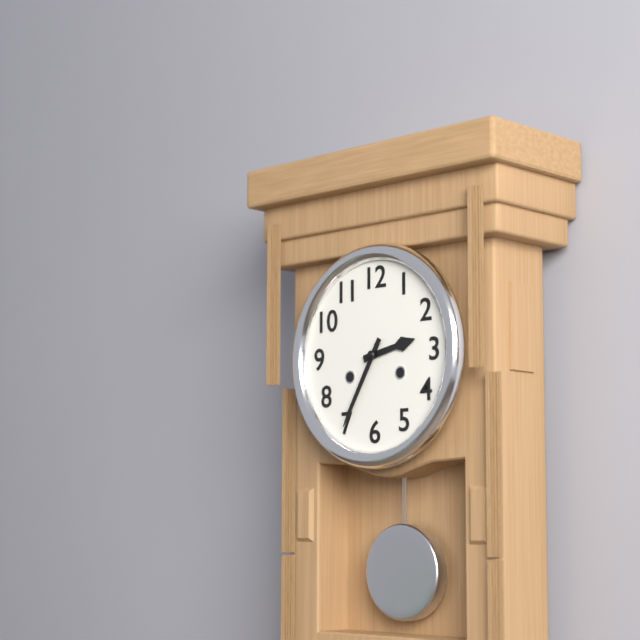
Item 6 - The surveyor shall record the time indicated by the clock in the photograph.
2:35
